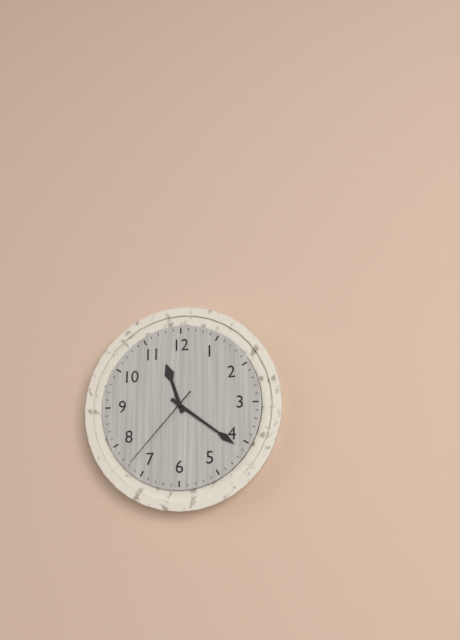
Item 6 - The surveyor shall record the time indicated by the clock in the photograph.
11:21:37
